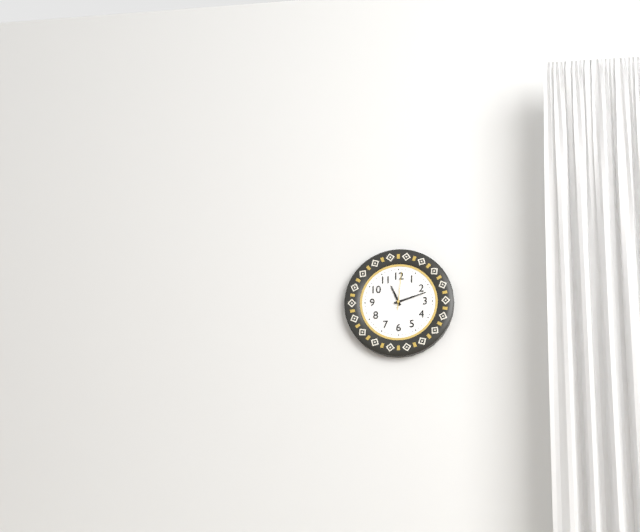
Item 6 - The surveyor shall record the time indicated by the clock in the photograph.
11:12
